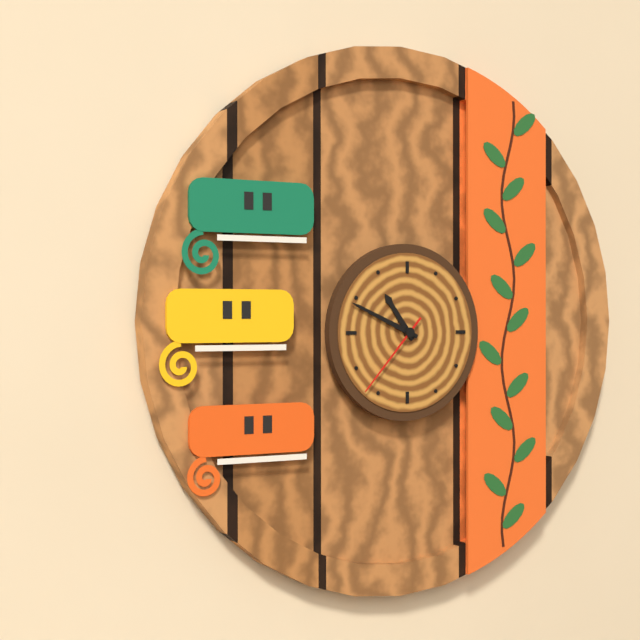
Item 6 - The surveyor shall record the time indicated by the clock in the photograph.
10:49:37
